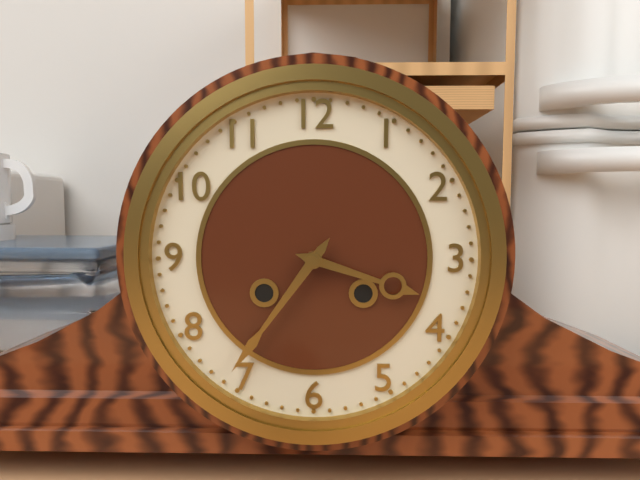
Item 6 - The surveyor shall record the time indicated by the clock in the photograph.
3:36
